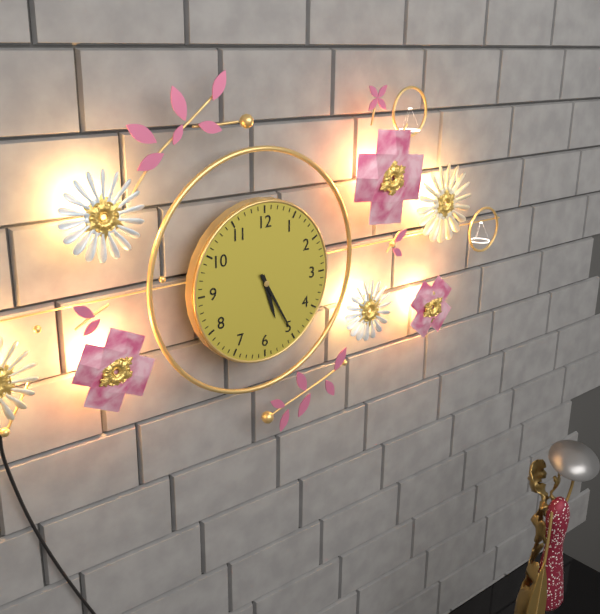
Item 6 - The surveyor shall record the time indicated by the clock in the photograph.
5:25
